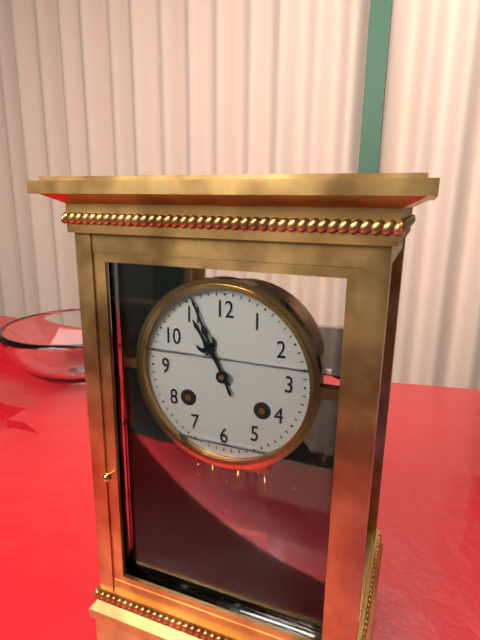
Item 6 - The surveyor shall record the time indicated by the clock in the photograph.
10:56
